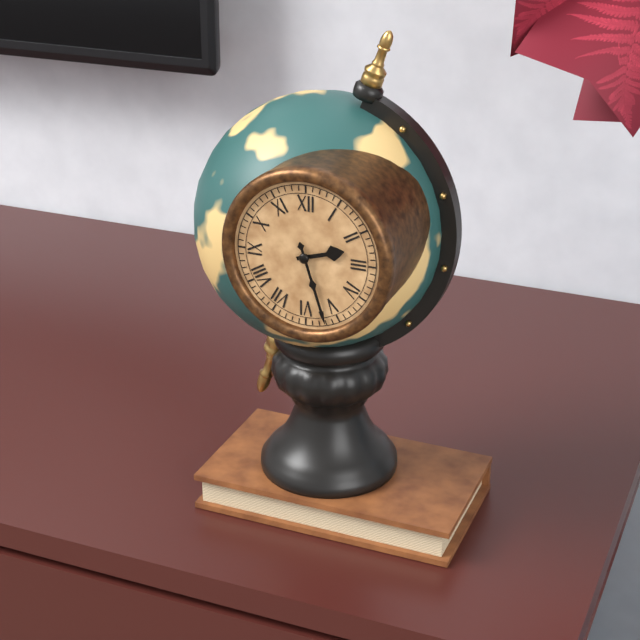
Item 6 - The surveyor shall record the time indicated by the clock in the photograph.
2:27
